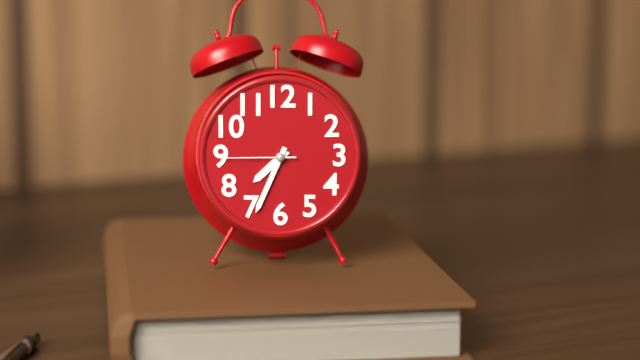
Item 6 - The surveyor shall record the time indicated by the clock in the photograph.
7:34:45
